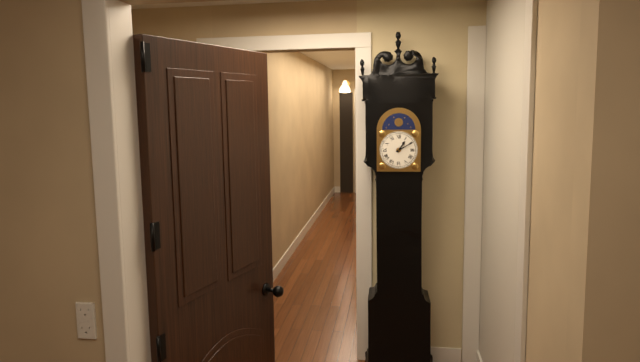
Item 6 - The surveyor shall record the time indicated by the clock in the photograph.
1:10
